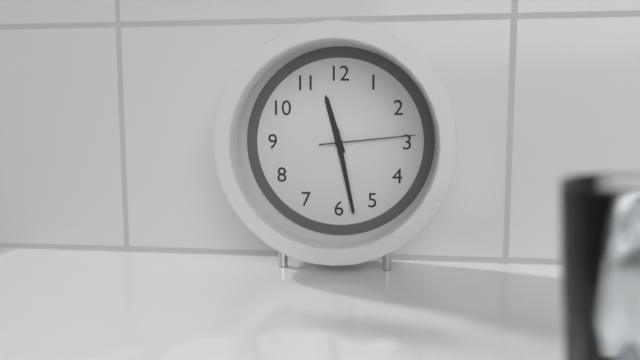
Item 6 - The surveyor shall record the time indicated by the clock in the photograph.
11:28:14
